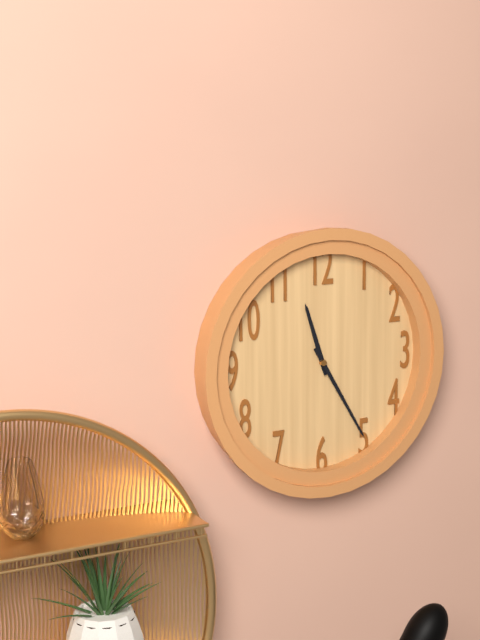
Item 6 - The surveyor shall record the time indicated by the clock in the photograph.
11:25
